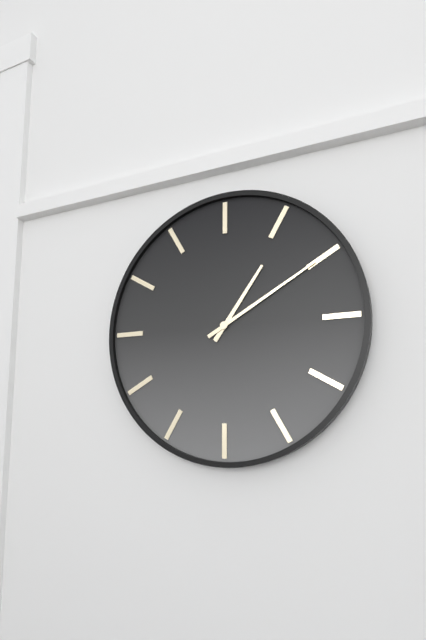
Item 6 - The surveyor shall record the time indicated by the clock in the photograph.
1:10
